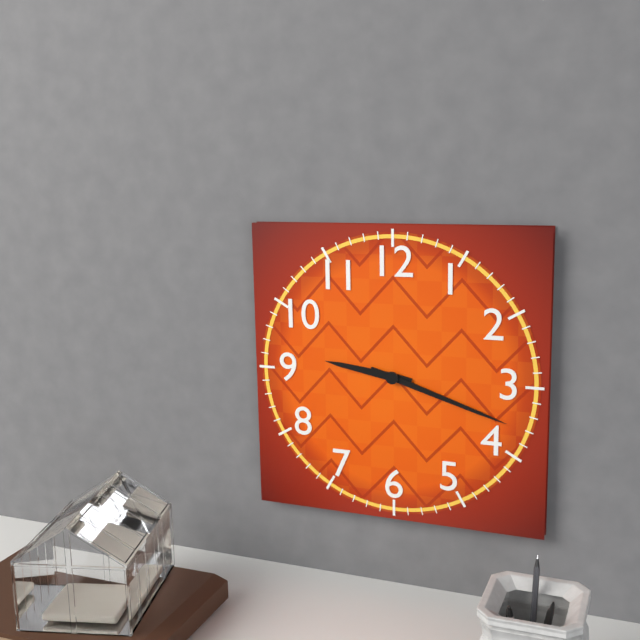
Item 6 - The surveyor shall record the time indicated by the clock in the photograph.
9:18
